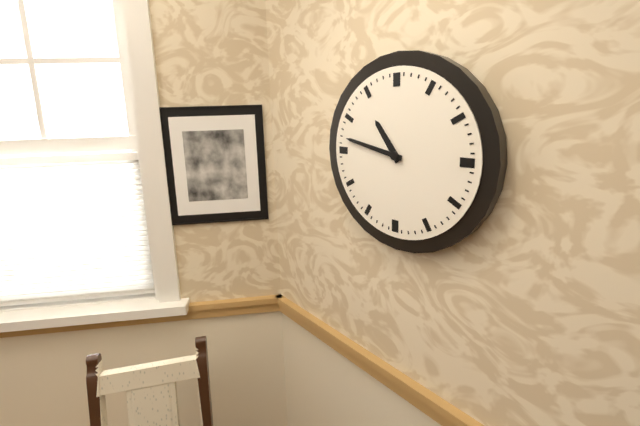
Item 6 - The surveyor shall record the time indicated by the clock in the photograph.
10:47
